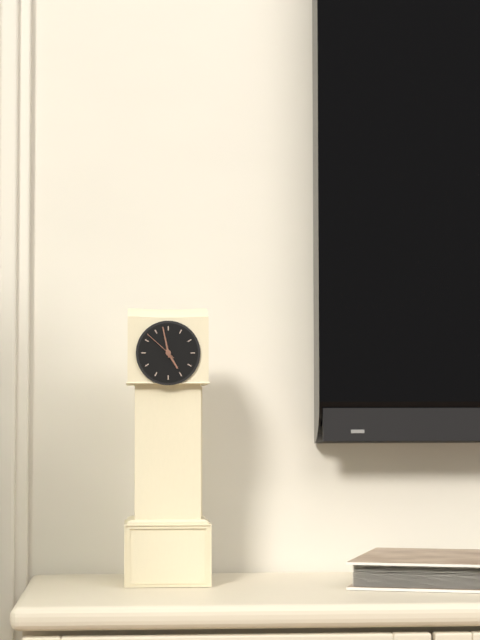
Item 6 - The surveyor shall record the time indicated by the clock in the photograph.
4:58
